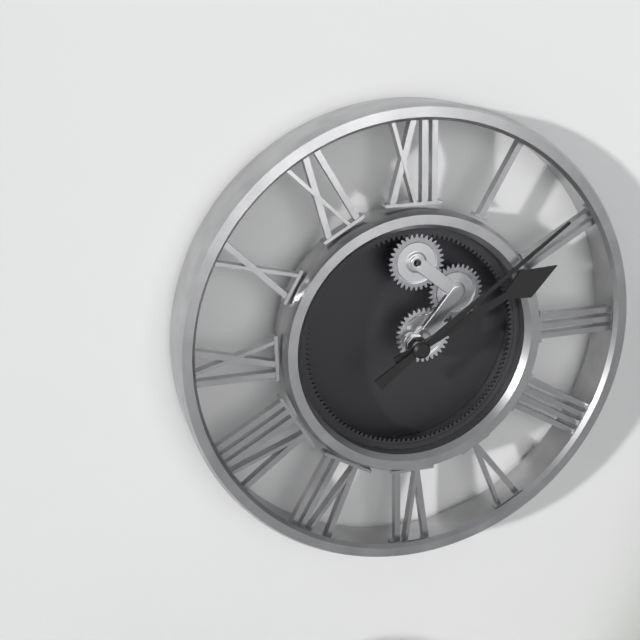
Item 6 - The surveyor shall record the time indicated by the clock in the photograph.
2:09
